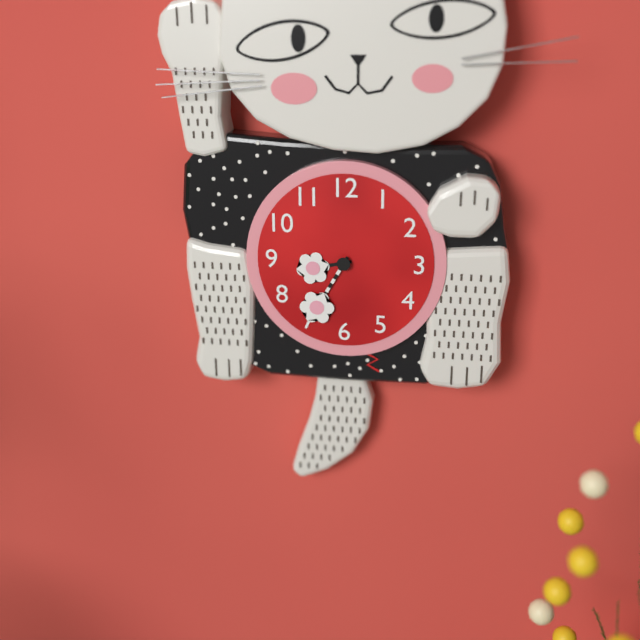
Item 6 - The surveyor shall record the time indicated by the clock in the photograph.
8:35
